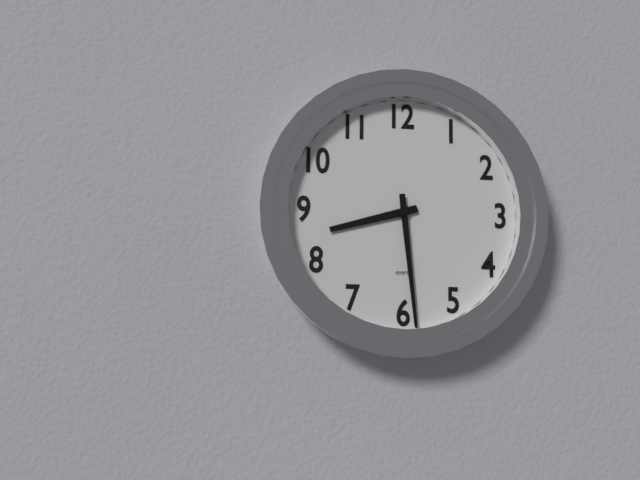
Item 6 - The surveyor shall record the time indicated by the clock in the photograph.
8:29
